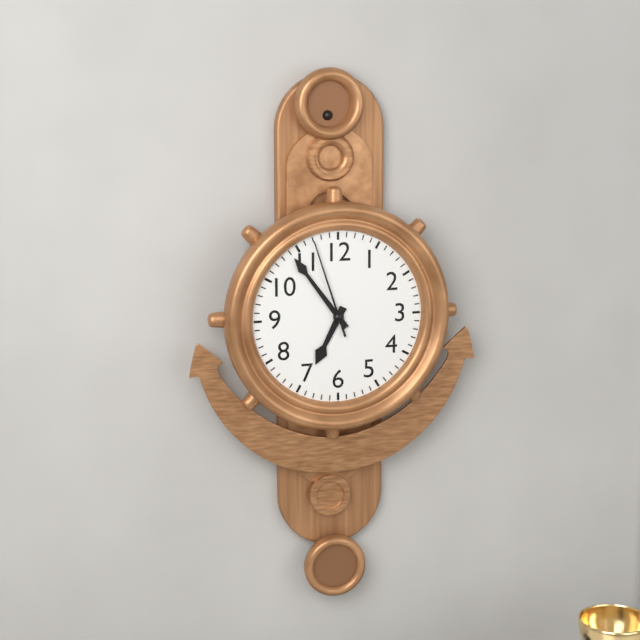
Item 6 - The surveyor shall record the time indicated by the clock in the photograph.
6:54:57
